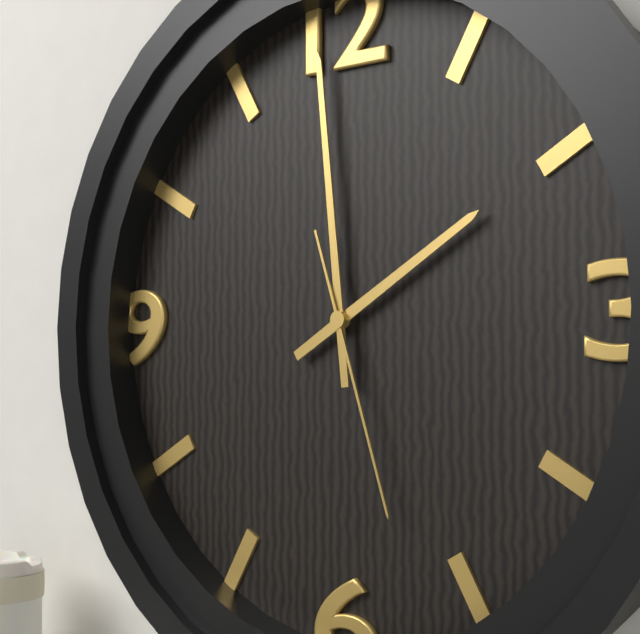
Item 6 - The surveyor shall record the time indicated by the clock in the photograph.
1:59:27
